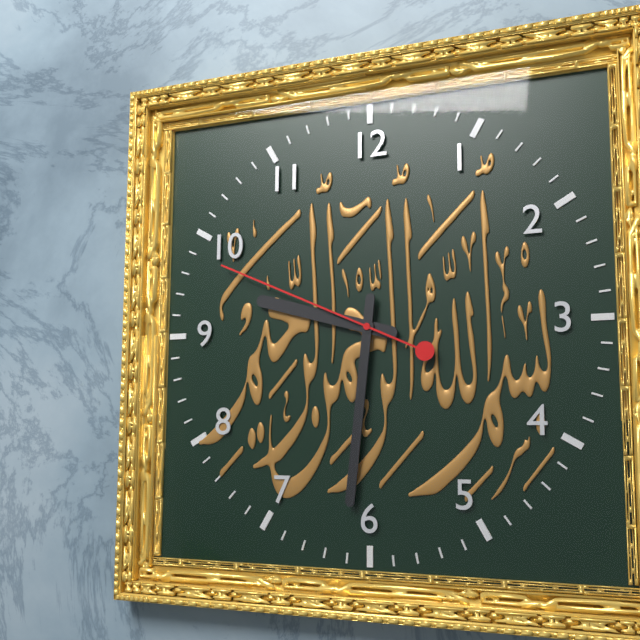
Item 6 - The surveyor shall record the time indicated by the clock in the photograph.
9:31:49
